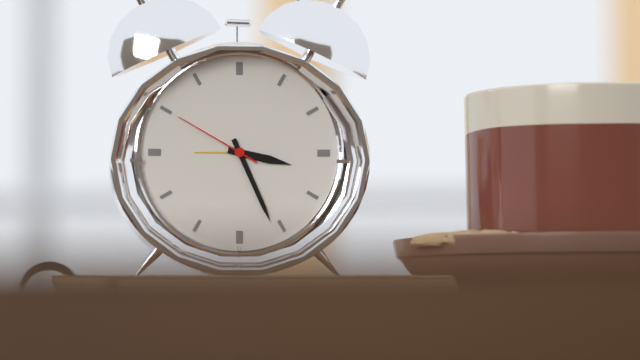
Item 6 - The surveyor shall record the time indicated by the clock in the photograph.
3:26:50
